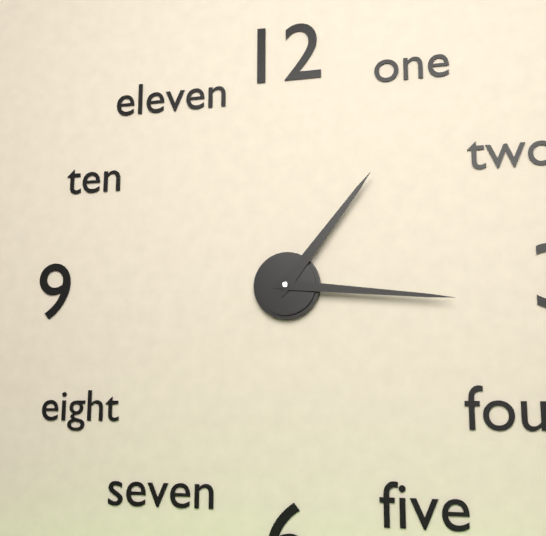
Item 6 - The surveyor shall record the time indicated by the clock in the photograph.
1:16
